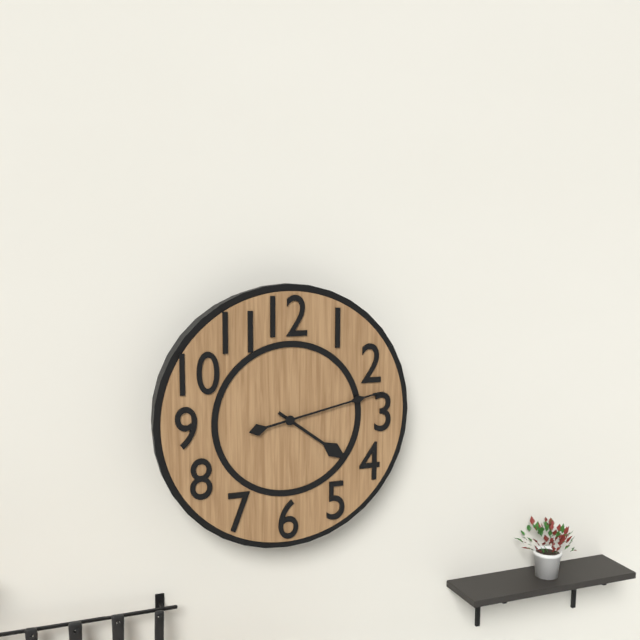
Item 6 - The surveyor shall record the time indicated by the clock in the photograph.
4:13
